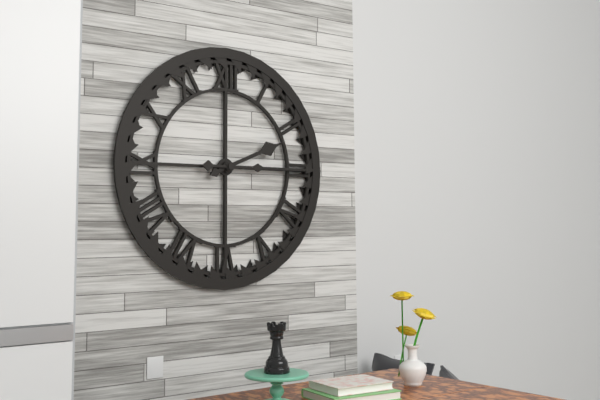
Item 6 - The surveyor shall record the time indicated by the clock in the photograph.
2:15
